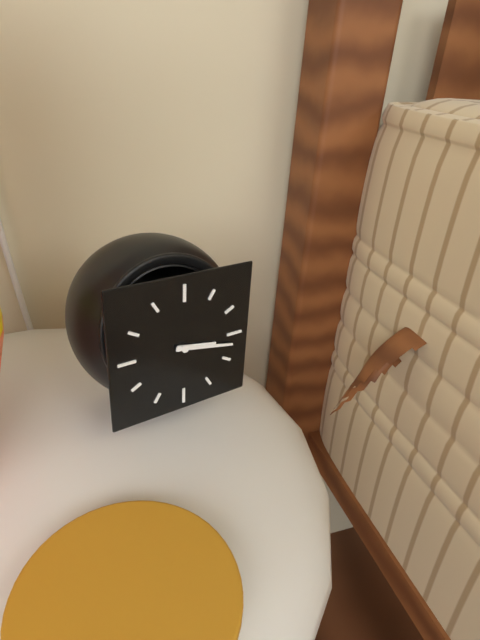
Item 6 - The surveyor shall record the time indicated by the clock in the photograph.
3:17
